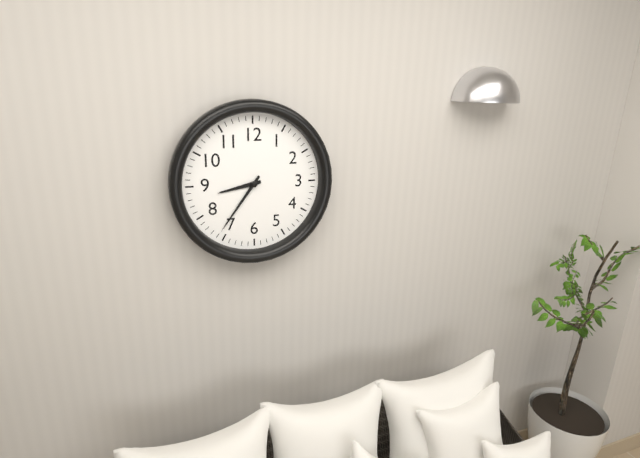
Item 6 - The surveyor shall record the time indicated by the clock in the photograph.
8:36
